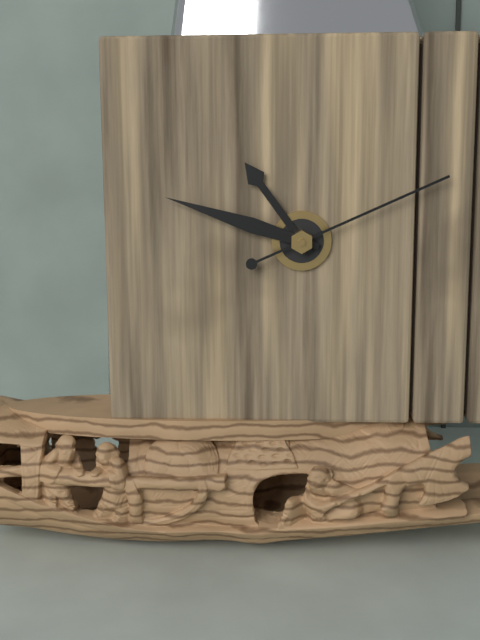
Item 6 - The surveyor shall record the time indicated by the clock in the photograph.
10:48:11
